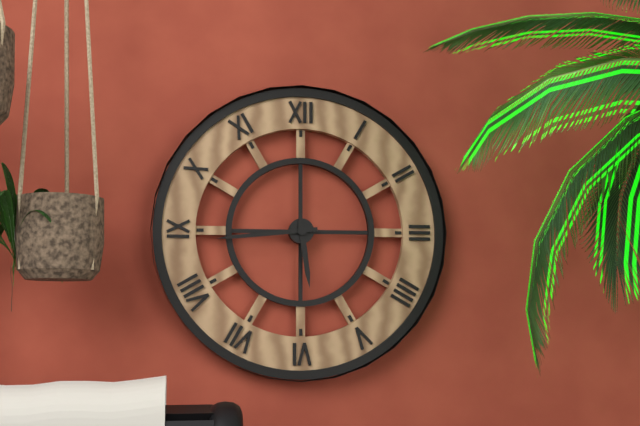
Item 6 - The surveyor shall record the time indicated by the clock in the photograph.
5:44
